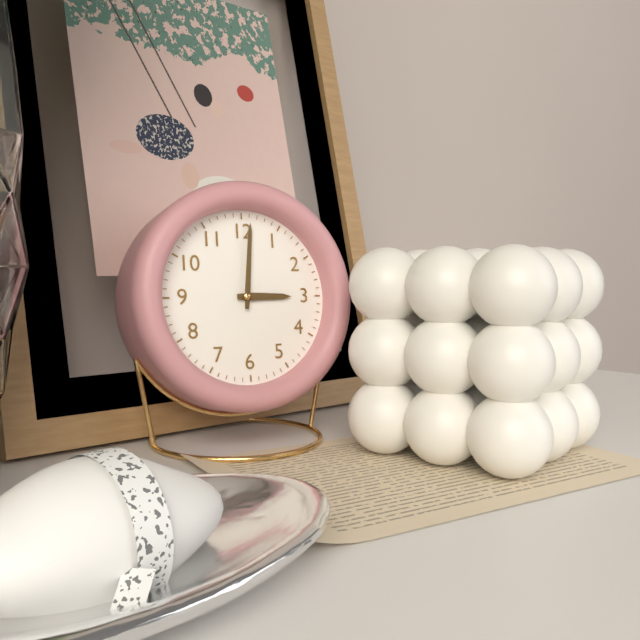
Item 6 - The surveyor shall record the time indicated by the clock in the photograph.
3:01
